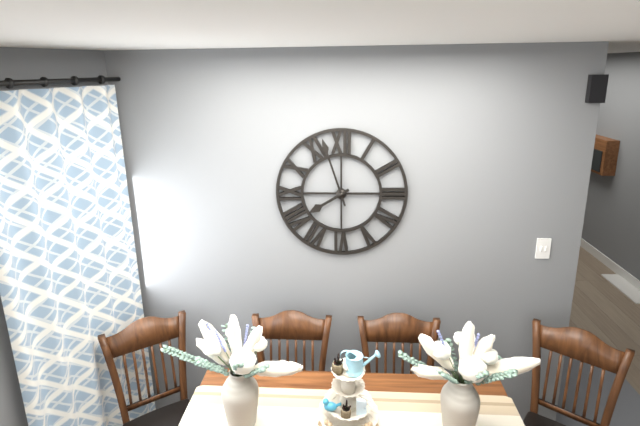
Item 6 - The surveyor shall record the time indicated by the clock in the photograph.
7:57
